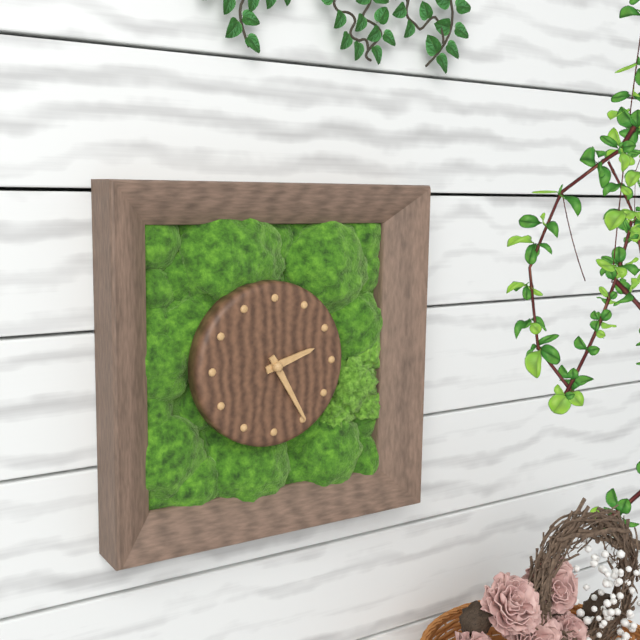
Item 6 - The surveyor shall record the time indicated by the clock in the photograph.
2:25
